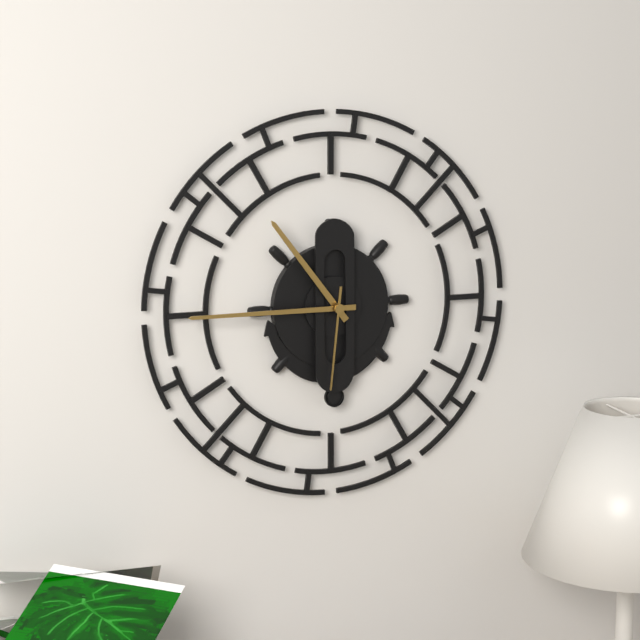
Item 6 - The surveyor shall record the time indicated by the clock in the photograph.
10:45:31
